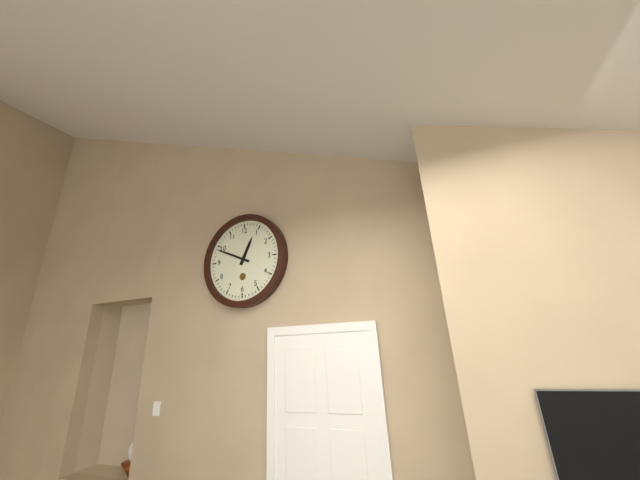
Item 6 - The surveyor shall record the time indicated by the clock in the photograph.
12:49
